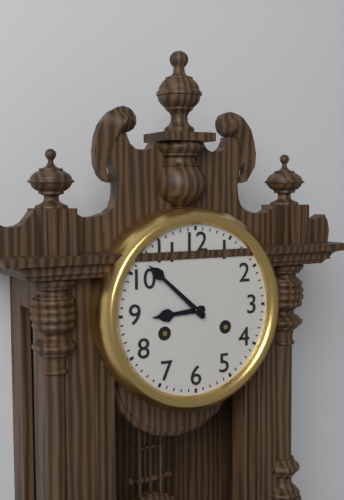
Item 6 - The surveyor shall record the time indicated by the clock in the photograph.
8:52
